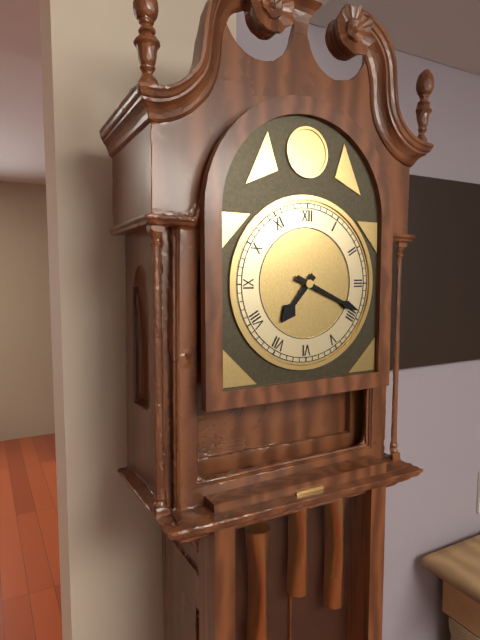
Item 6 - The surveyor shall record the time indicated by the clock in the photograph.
7:19
